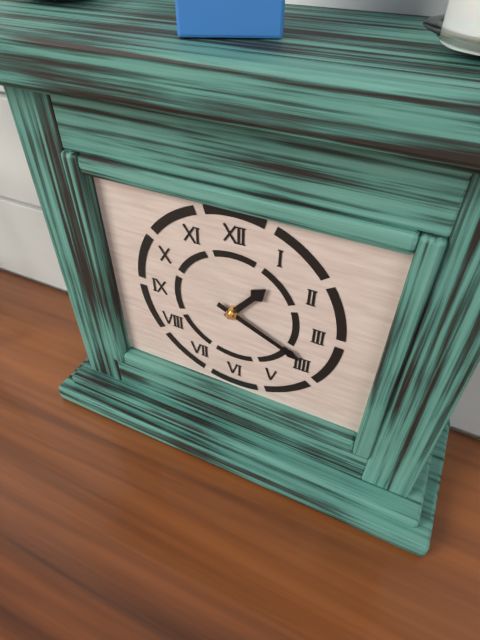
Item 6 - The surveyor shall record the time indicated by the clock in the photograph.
1:19
